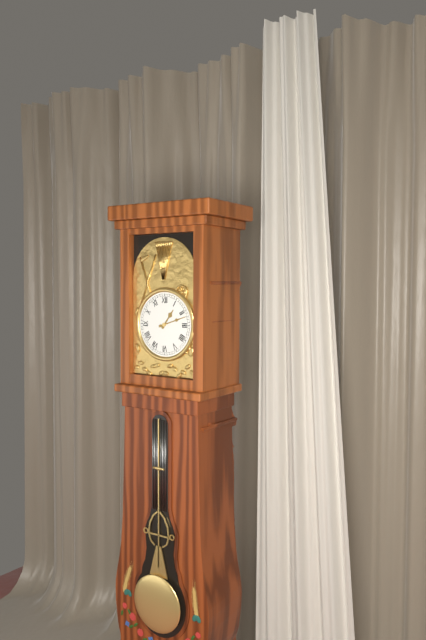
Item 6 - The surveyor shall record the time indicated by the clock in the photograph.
1:12
